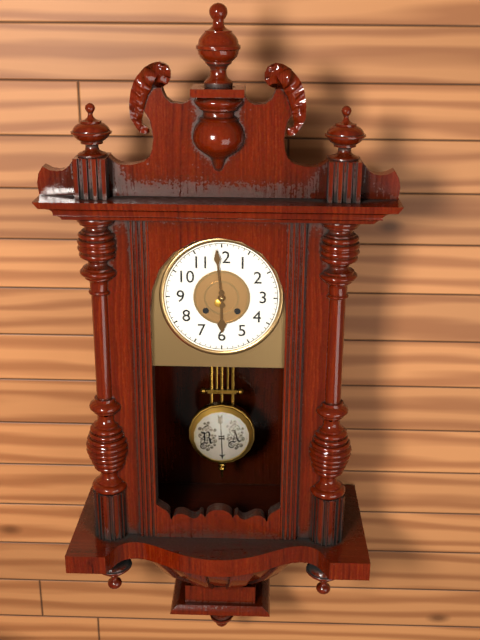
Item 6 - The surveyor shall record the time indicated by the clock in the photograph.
5:59
